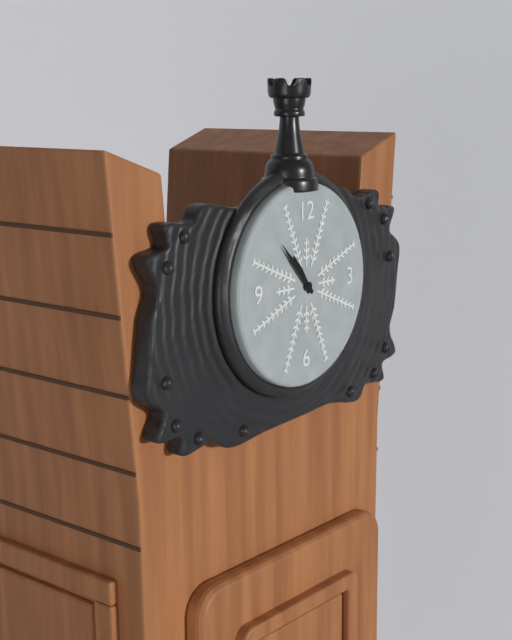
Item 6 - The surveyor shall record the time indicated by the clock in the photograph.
10:53
